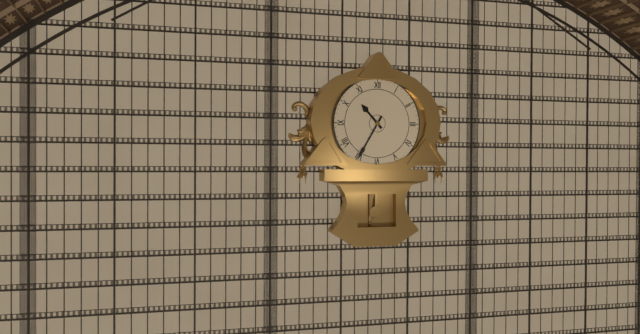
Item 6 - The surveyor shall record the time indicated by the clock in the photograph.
10:35
